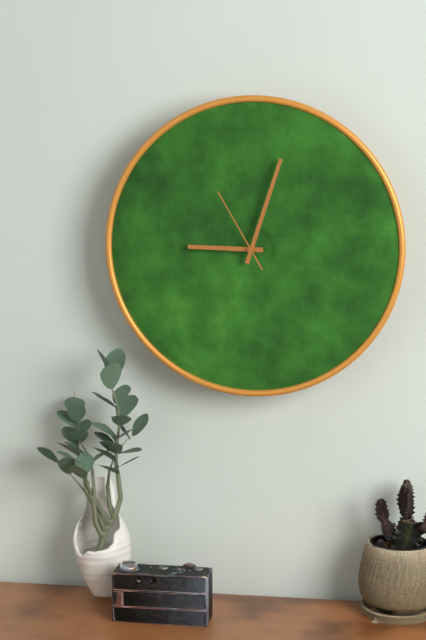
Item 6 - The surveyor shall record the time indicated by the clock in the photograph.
9:03:55
